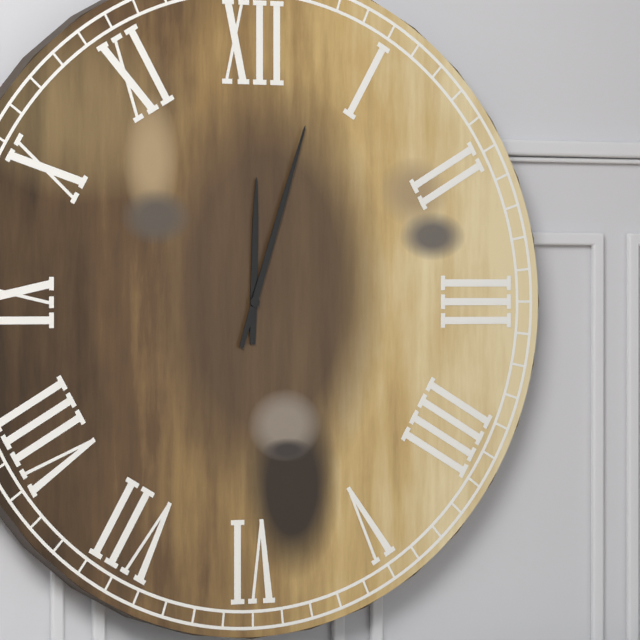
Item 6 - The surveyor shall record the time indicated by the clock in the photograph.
12:03
